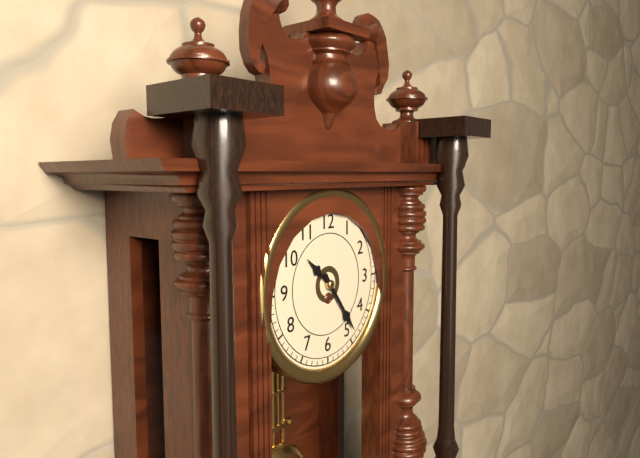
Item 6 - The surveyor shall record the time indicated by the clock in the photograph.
10:24
